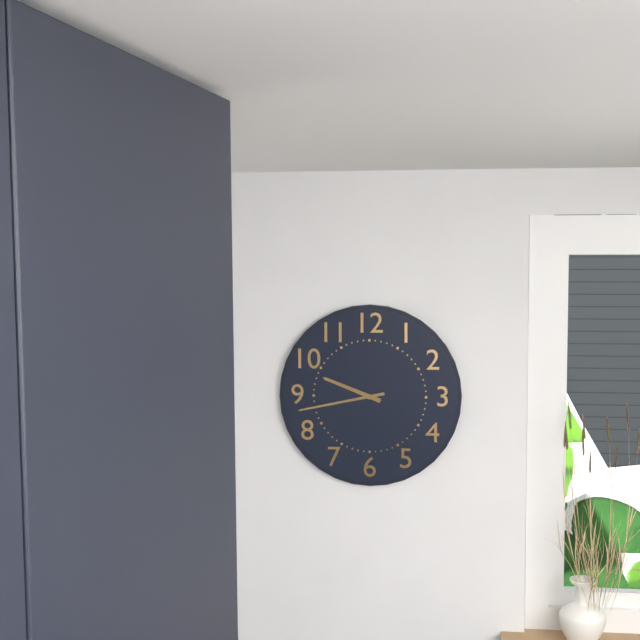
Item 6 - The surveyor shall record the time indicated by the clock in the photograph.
9:43
